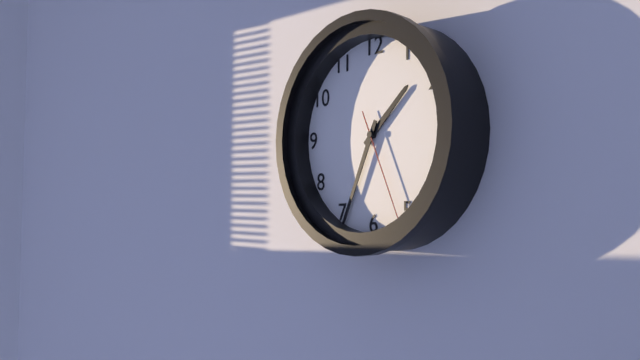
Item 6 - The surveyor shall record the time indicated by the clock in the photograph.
1:34:26
